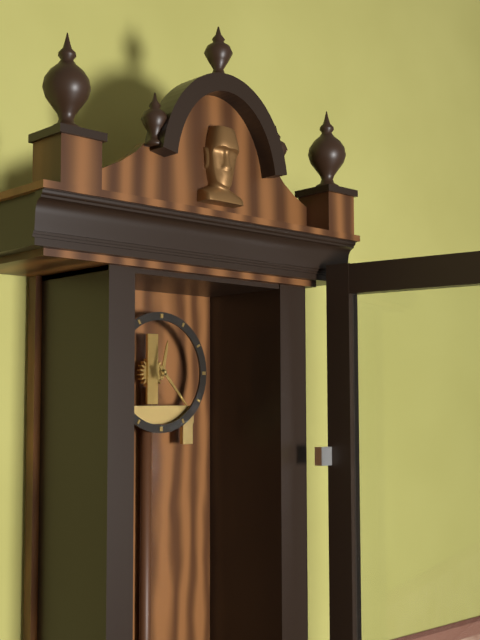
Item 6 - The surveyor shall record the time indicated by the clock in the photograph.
12:23
